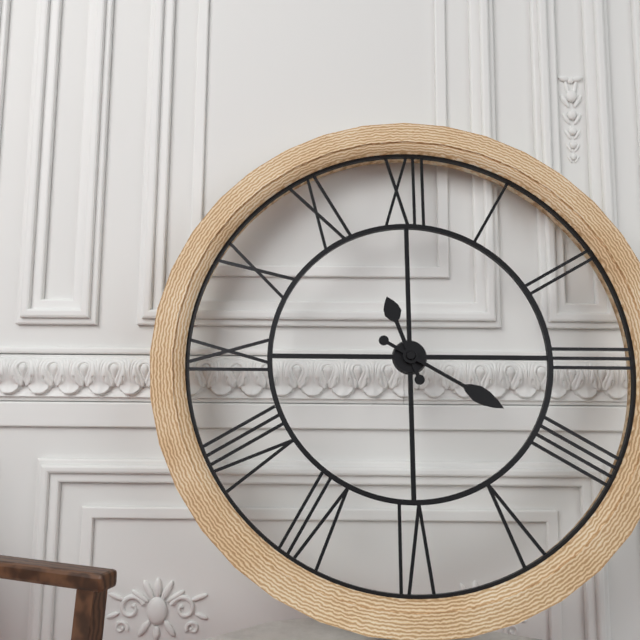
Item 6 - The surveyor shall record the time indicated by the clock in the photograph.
11:20
